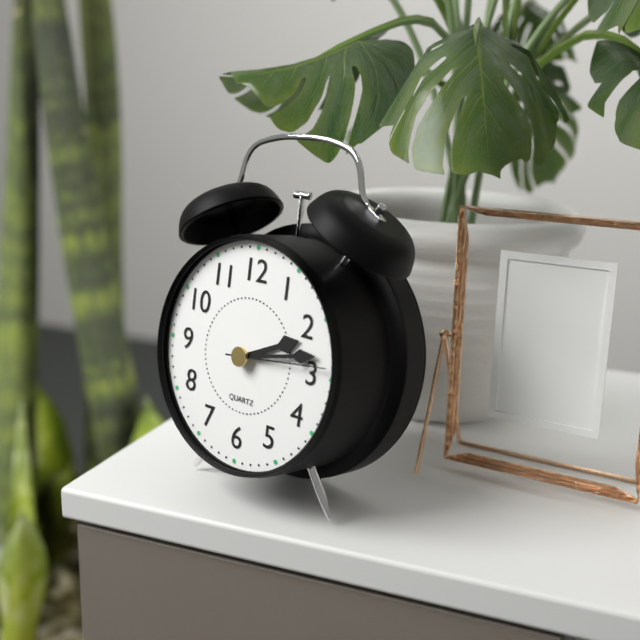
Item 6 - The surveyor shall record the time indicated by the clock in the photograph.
2:13:14
